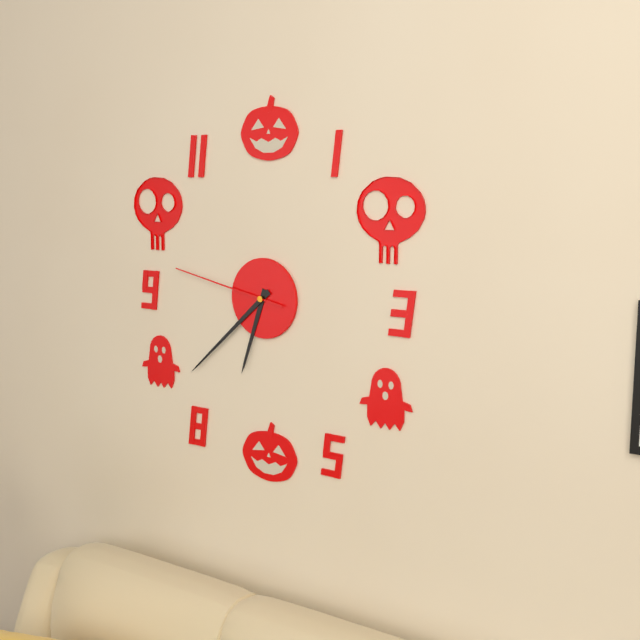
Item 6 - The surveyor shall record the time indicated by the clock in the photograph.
6:38:47
